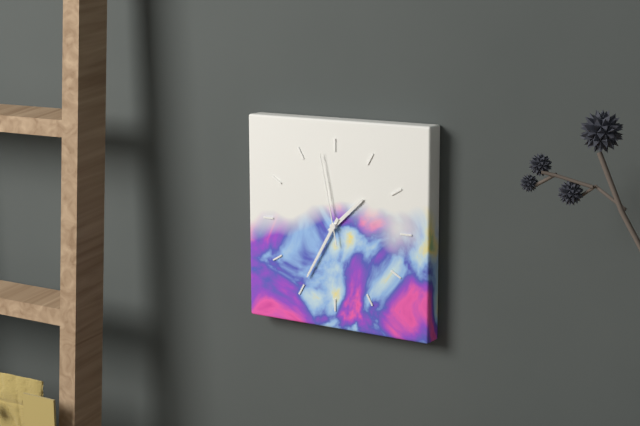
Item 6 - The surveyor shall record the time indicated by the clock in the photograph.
1:35:58
